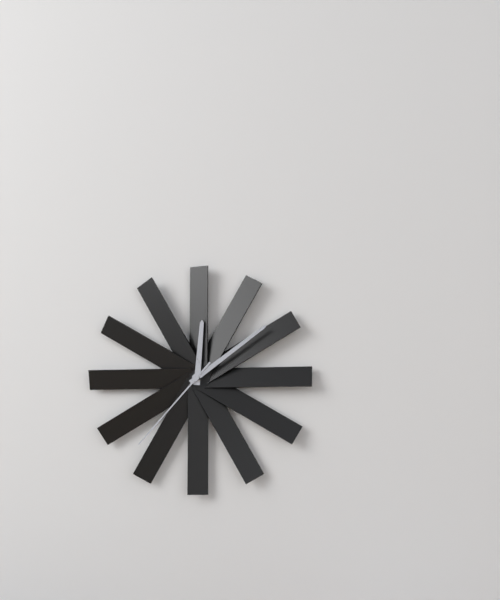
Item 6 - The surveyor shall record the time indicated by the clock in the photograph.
12:09:37
